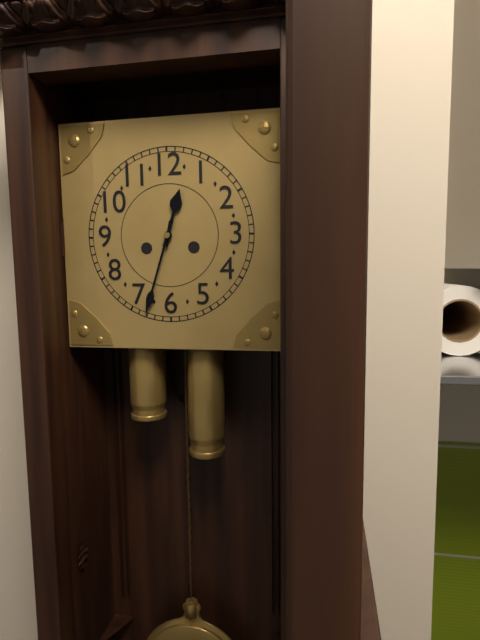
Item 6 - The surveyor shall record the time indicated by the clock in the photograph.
12:33
